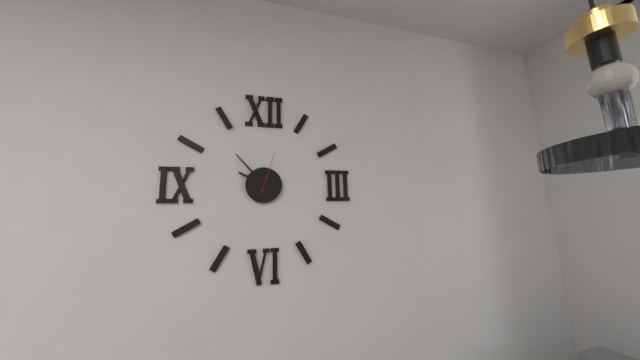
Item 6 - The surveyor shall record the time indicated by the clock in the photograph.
9:53
